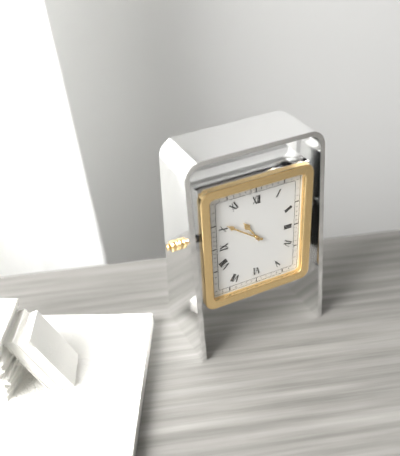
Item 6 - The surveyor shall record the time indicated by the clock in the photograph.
10:51
